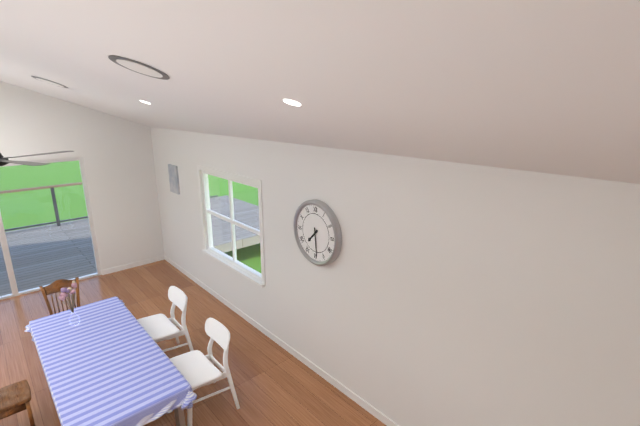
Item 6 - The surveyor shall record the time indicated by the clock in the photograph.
7:29
